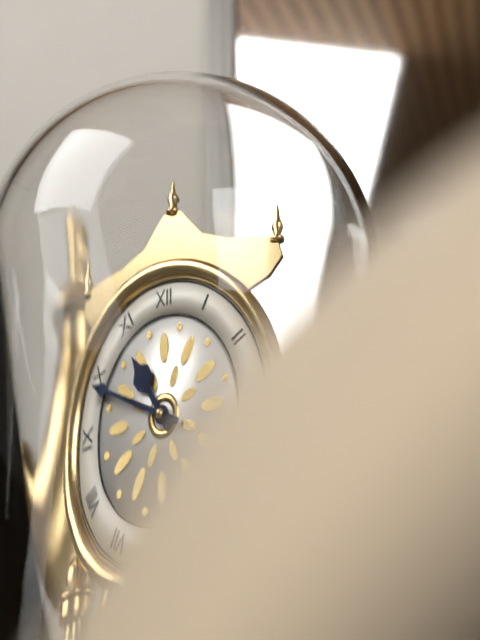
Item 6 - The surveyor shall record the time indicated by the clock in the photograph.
10:49
